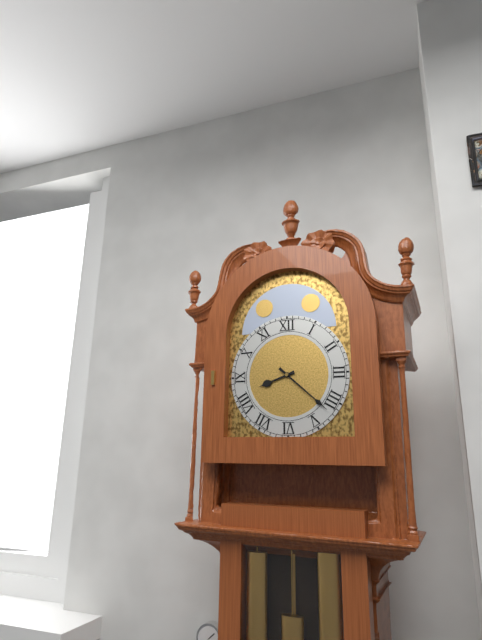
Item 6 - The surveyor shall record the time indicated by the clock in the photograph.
8:22
